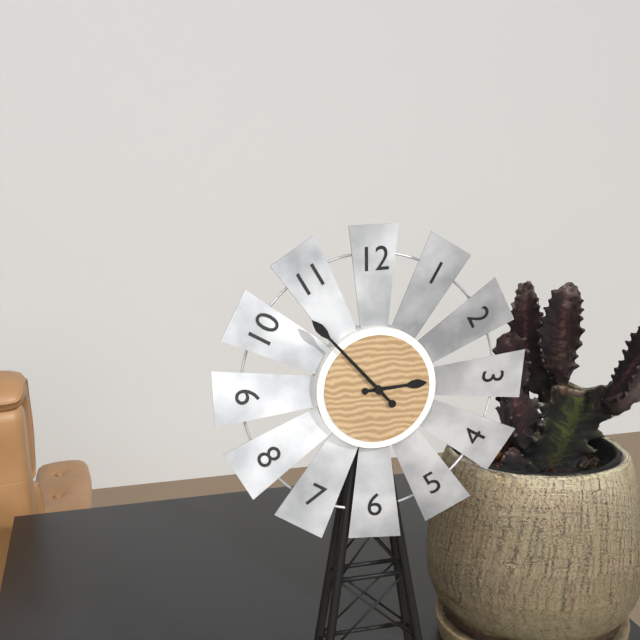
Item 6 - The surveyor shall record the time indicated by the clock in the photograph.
2:53
